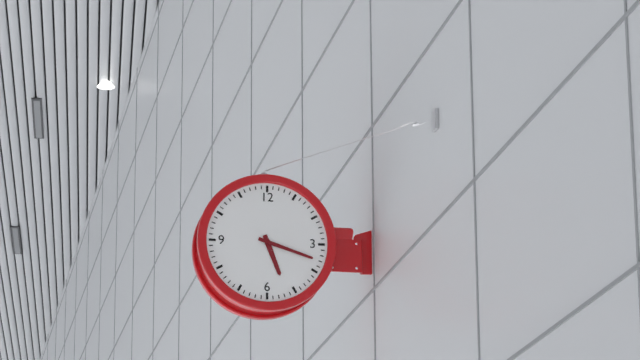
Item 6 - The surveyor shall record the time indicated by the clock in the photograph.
5:18
